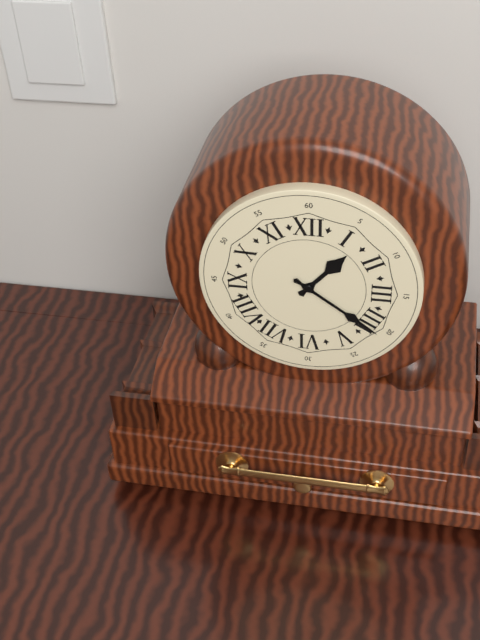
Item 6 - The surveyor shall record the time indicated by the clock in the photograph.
1:21
